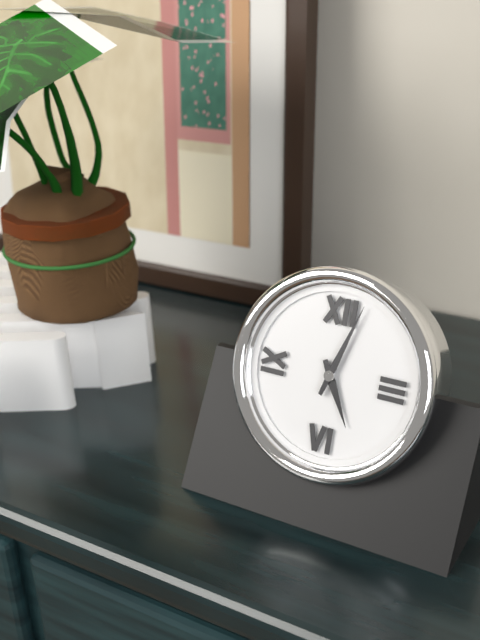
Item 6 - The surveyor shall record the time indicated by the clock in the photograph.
5:03
